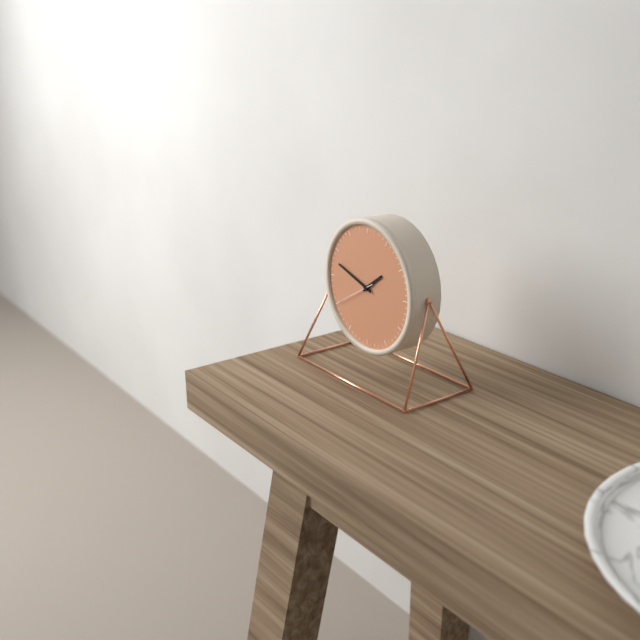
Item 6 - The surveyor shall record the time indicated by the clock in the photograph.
1:48
